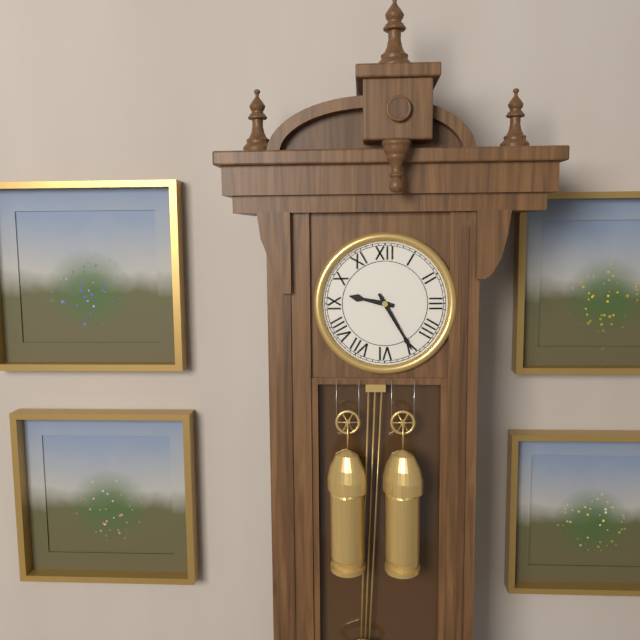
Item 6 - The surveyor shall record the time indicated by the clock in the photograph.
9:25
